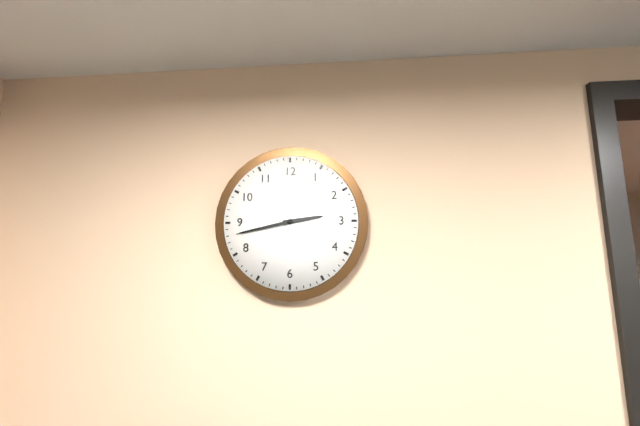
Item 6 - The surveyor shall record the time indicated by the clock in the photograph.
2:43
